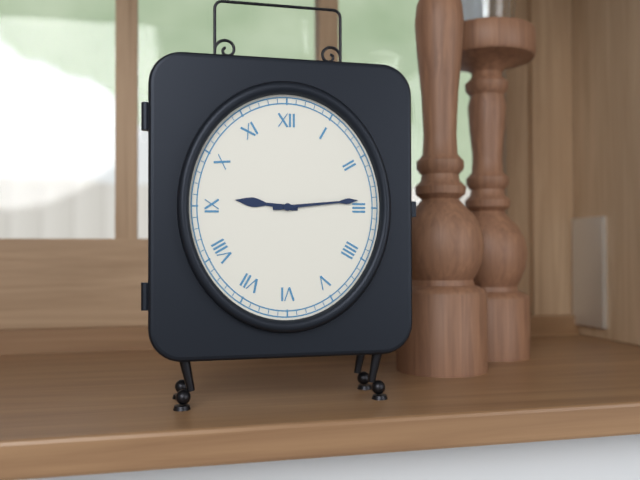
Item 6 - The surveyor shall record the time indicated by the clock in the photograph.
9:14
